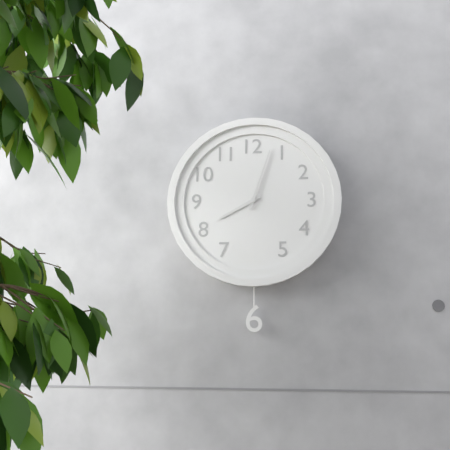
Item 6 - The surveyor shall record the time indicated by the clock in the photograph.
8:03
